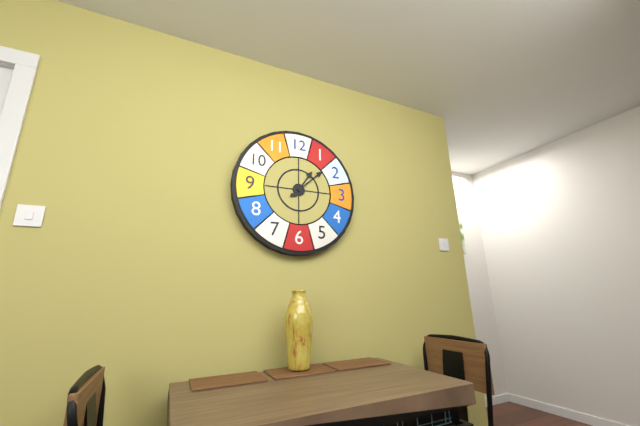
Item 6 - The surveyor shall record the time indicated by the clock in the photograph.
1:08
